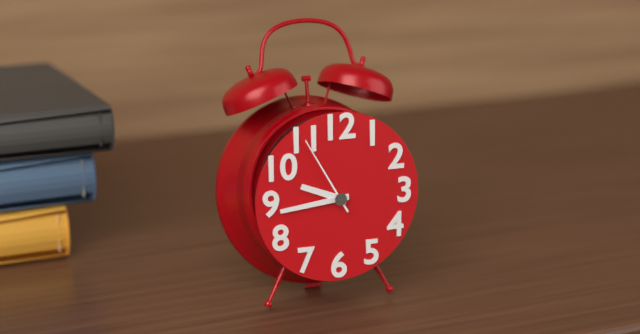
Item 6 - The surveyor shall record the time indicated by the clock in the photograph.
9:44:55
